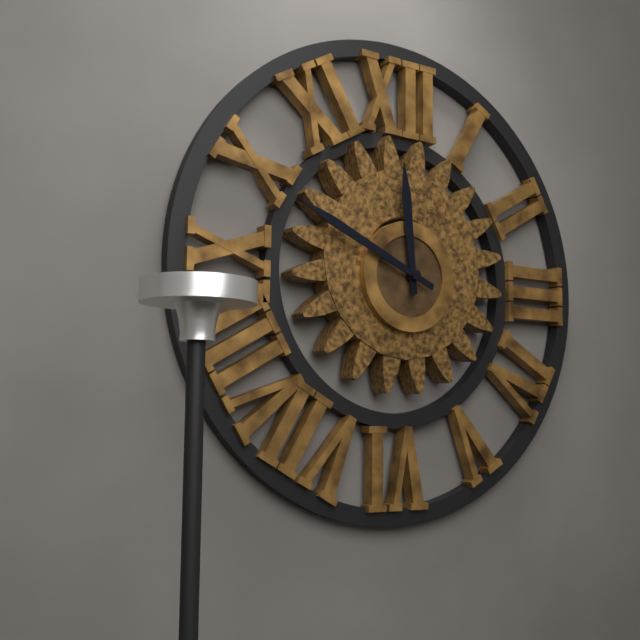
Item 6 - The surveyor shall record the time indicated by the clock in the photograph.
11:49
